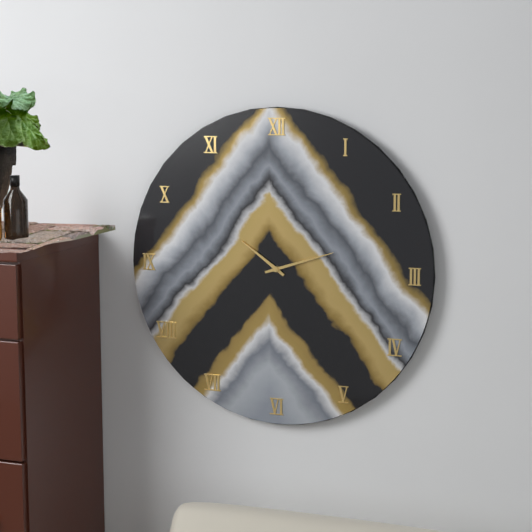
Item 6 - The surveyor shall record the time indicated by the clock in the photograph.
10:12
